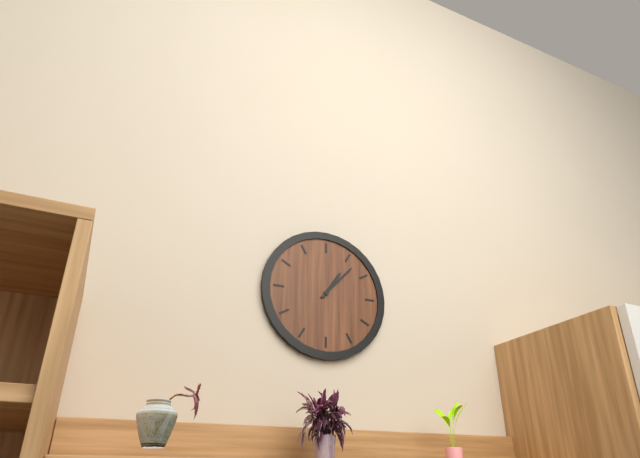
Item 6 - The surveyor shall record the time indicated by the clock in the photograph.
1:07
